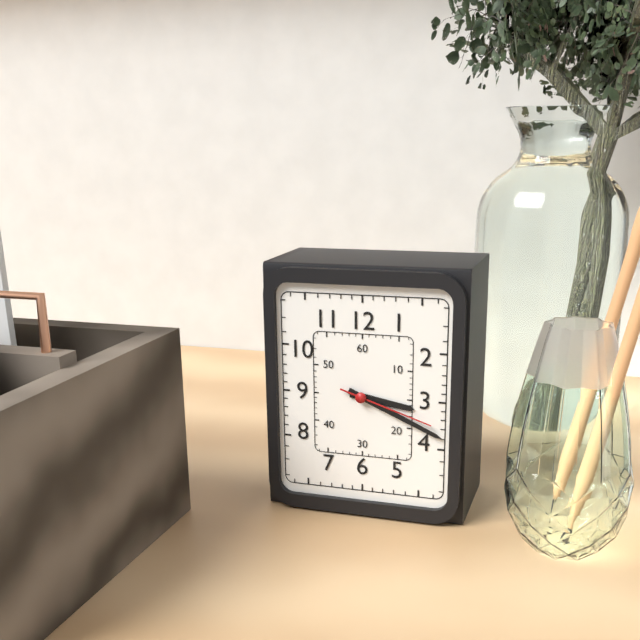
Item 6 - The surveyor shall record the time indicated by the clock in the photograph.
3:19:18
